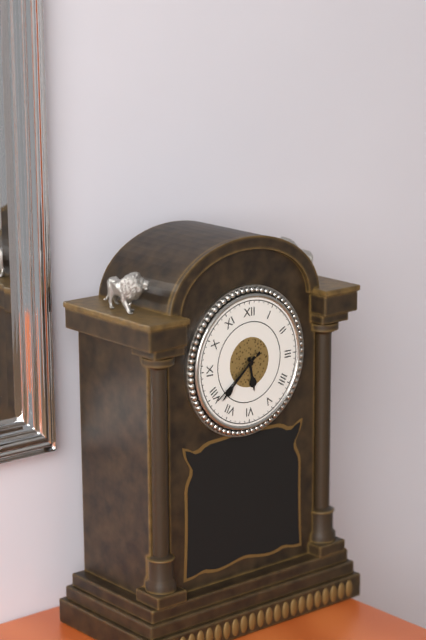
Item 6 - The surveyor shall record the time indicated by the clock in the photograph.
5:38:39
